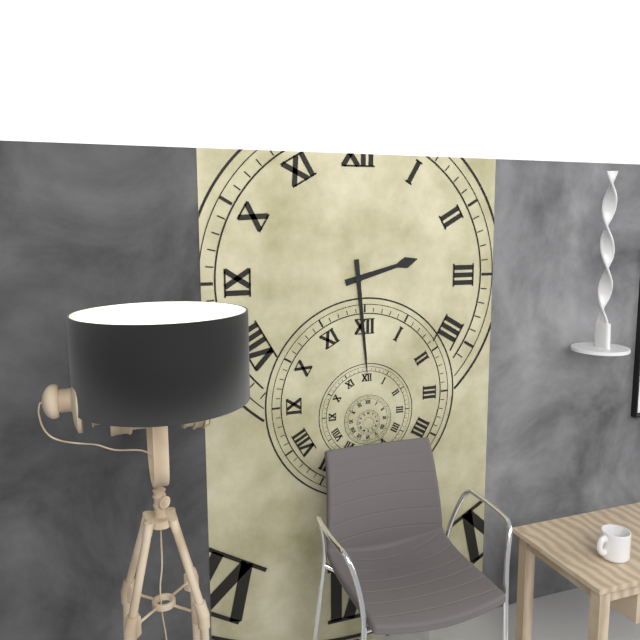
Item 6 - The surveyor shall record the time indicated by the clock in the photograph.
2:29
